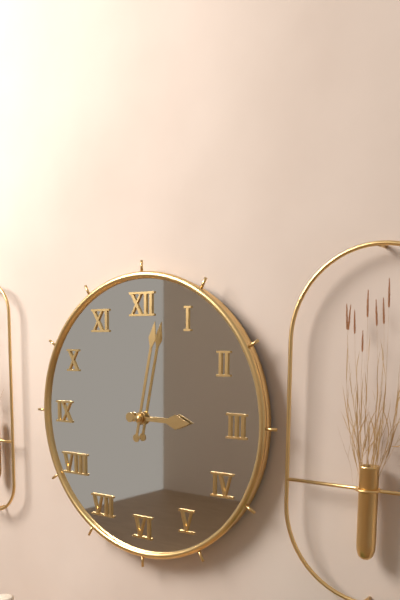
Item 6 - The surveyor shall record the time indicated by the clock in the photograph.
3:02
